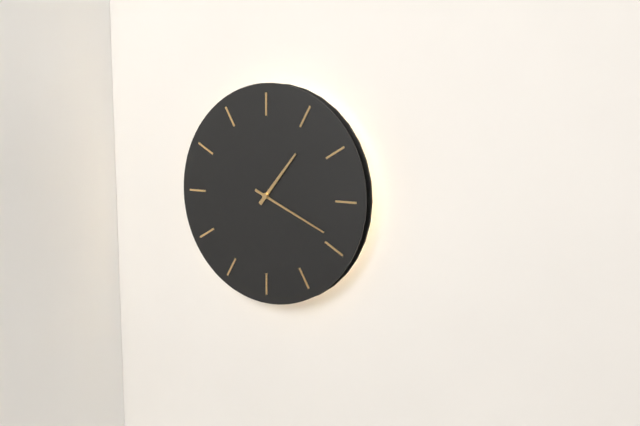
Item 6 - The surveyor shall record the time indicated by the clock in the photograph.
1:19
